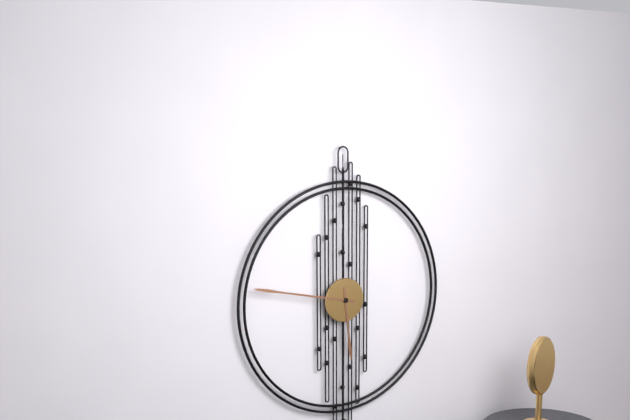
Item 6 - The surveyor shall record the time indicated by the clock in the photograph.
5:47
